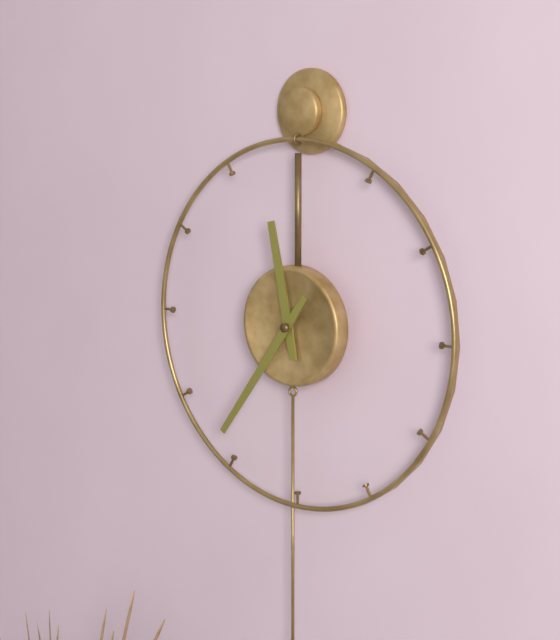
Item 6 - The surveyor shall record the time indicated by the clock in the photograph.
11:36
